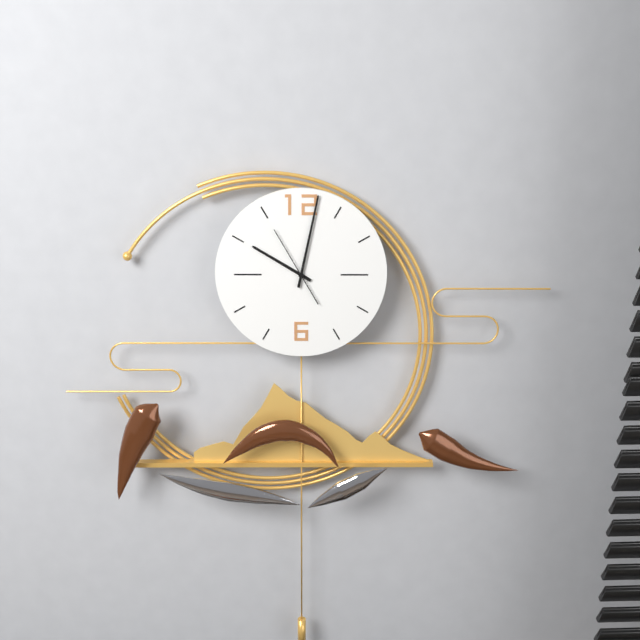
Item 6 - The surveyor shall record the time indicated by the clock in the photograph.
10:02:55
